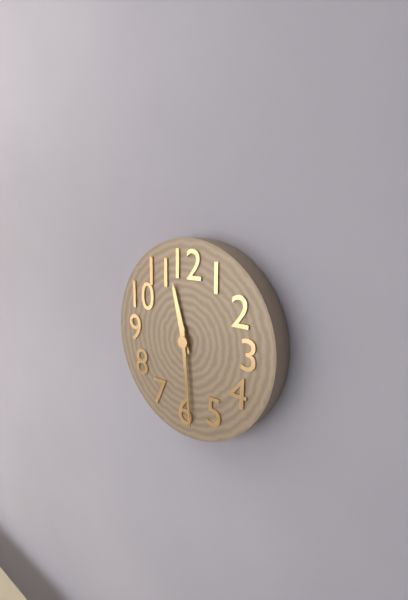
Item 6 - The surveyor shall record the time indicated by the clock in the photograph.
11:29
